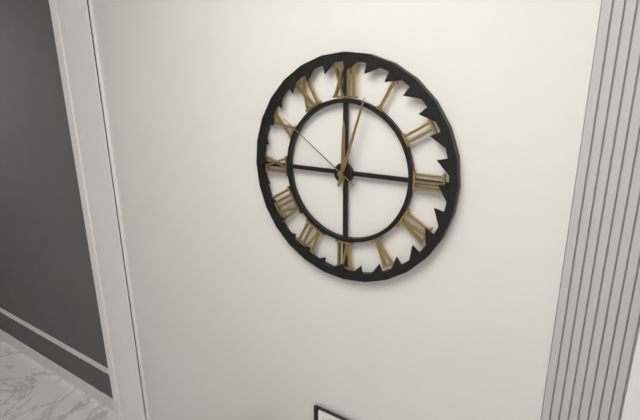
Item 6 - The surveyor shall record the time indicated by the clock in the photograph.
12:03:51
